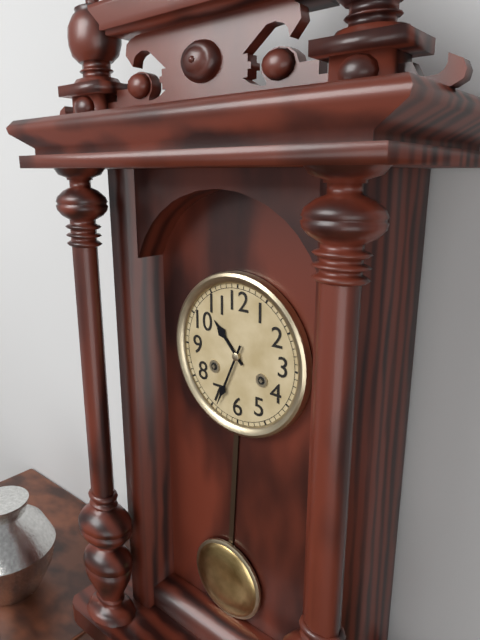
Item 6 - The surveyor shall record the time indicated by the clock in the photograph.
10:34
